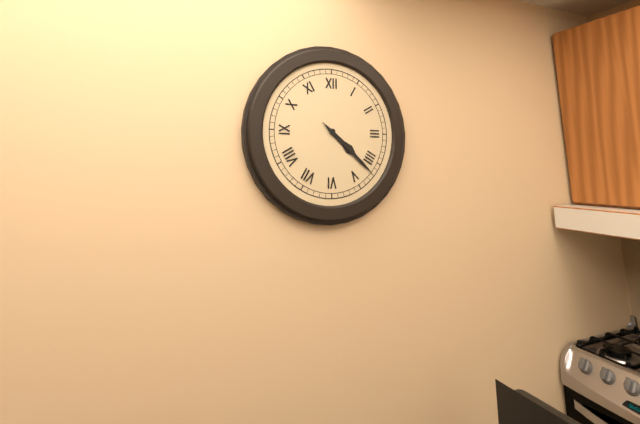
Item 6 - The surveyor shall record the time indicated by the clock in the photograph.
4:22
